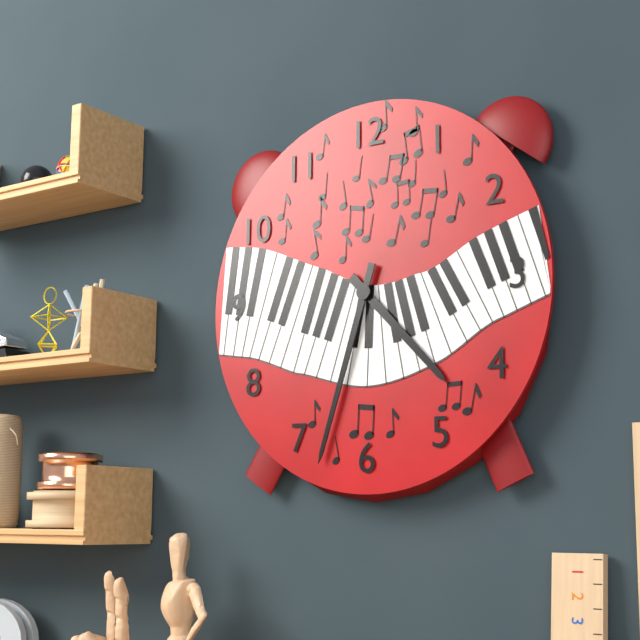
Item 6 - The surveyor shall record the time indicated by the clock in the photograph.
4:33
